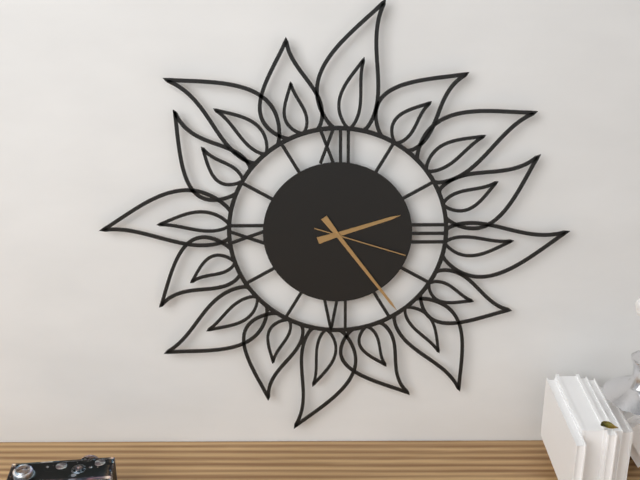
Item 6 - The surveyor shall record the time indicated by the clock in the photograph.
2:24:18
